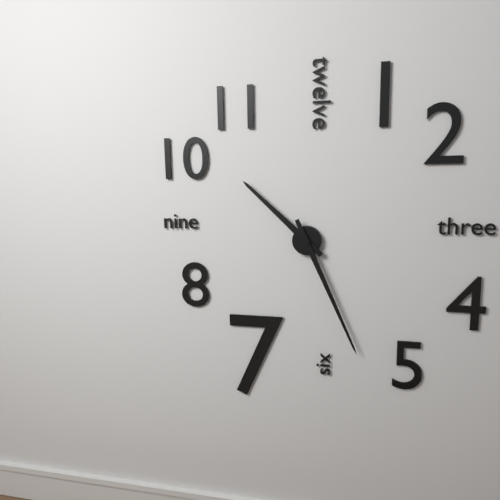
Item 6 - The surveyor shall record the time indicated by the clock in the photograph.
10:26
